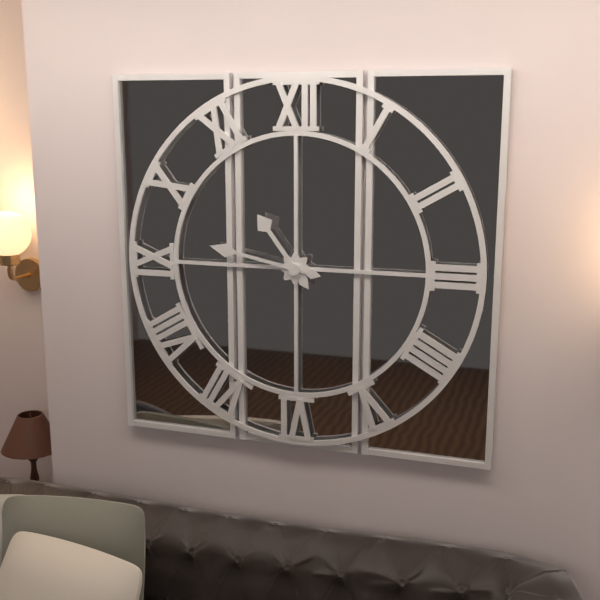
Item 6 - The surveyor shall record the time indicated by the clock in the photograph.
10:47
